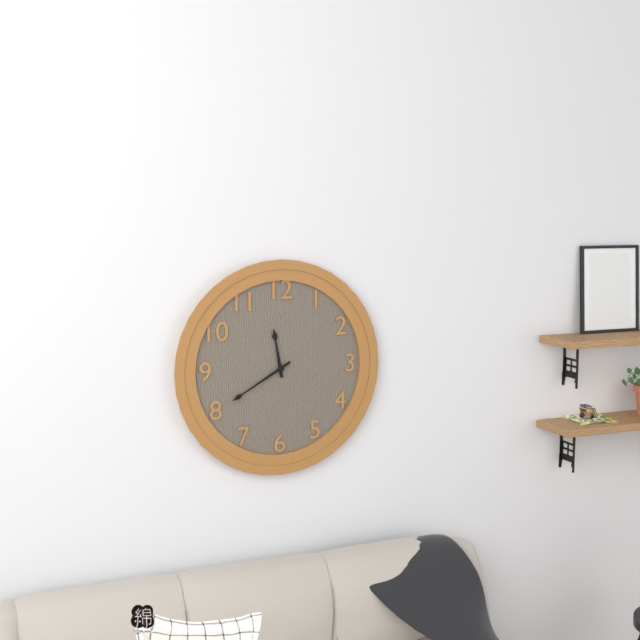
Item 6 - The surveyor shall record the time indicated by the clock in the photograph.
11:40
